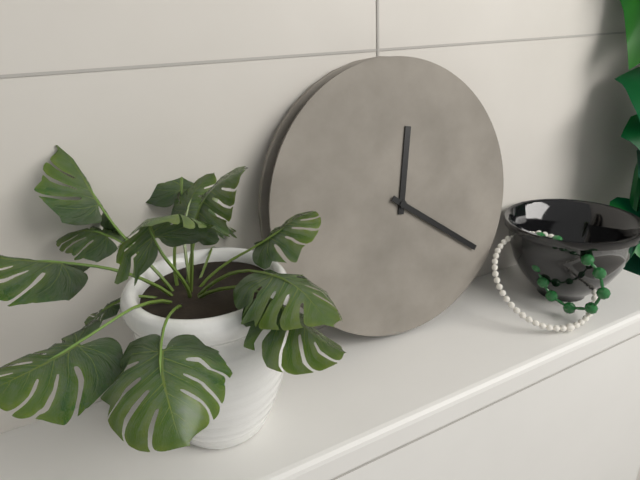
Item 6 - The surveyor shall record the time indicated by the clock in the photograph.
12:21
